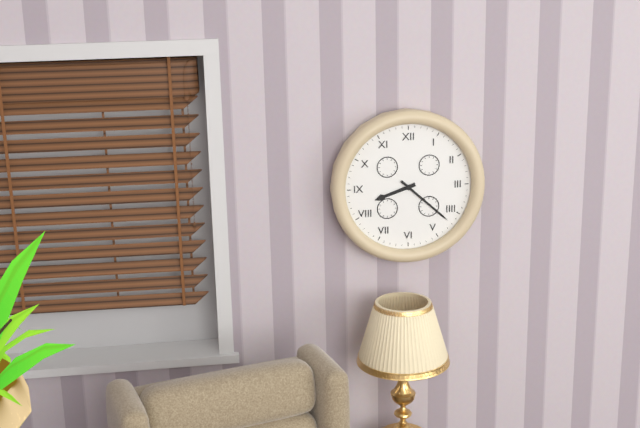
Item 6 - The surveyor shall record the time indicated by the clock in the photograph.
8:22
